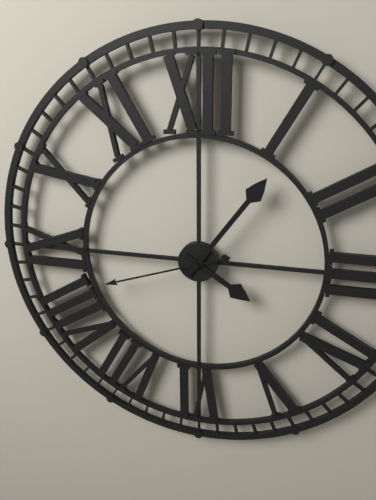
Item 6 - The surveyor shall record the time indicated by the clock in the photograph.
4:06:42
